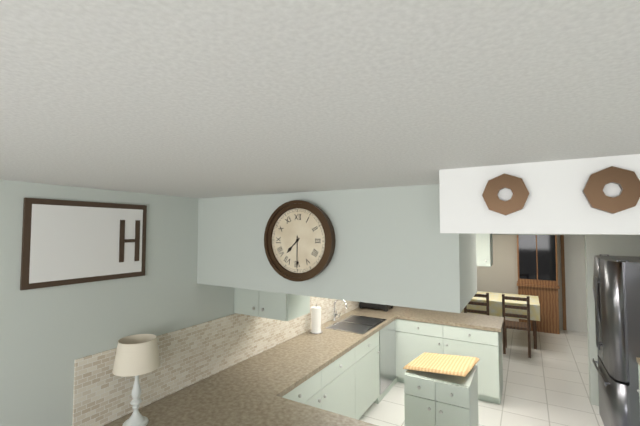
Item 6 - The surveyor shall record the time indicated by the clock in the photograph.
7:30
